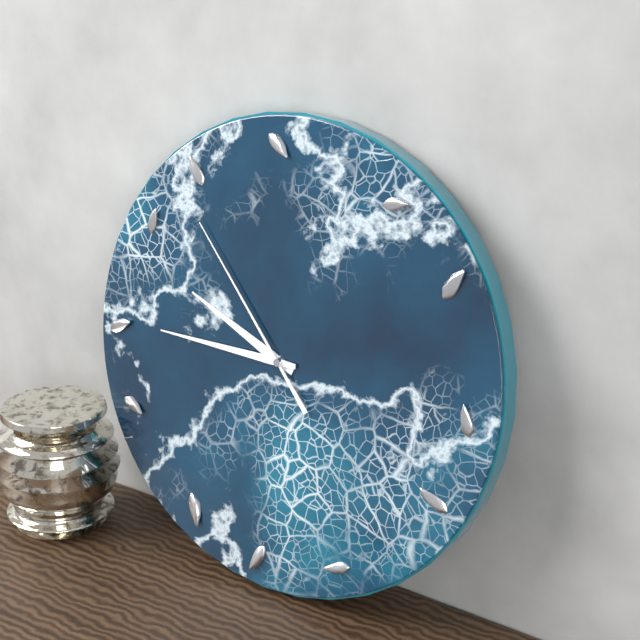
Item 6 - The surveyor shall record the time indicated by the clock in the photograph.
9:45:53
